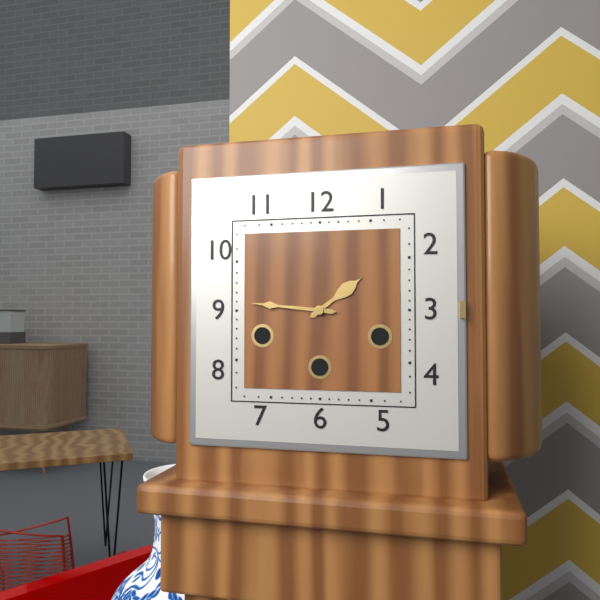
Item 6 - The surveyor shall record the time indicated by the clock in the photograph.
1:46
